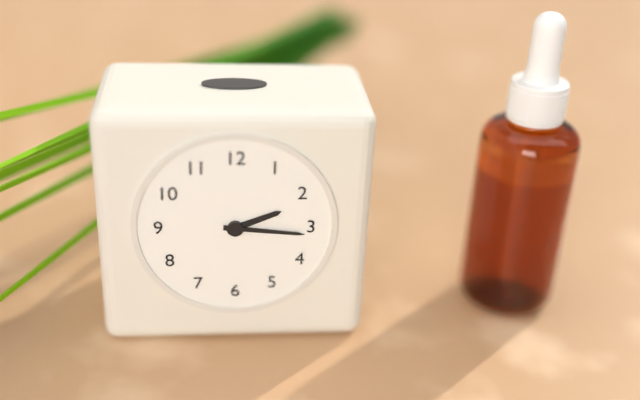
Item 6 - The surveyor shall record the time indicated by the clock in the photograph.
2:16
